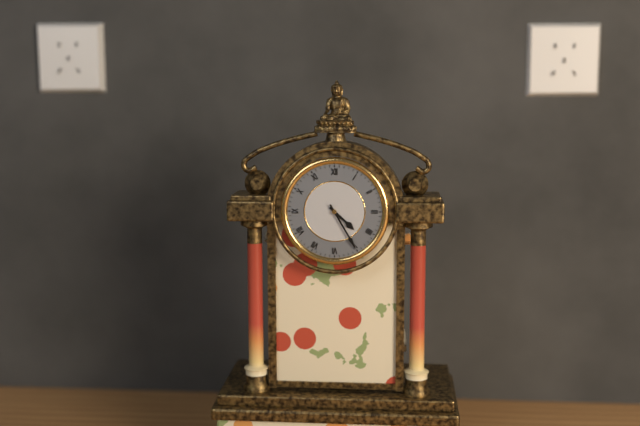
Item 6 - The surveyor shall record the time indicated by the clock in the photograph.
4:25
